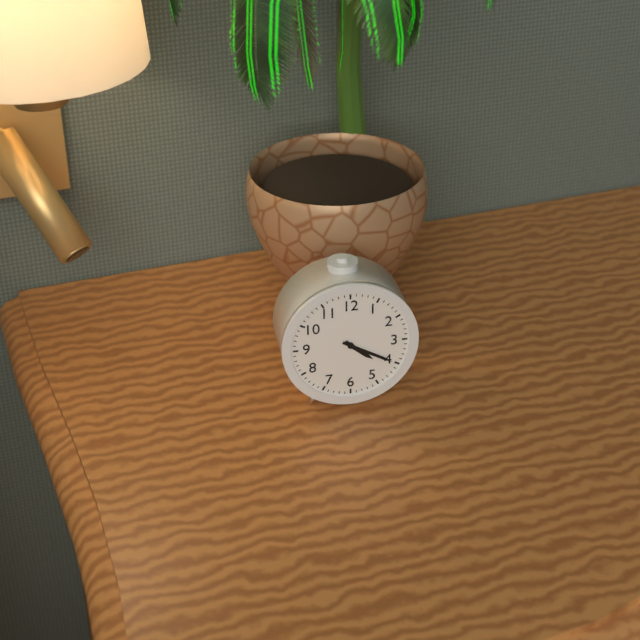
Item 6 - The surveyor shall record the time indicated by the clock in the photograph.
4:20
